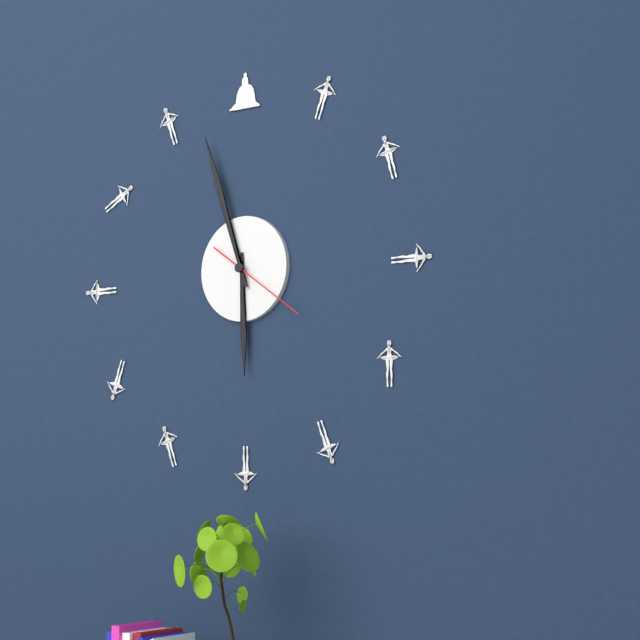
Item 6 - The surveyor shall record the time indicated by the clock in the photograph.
5:57:21
